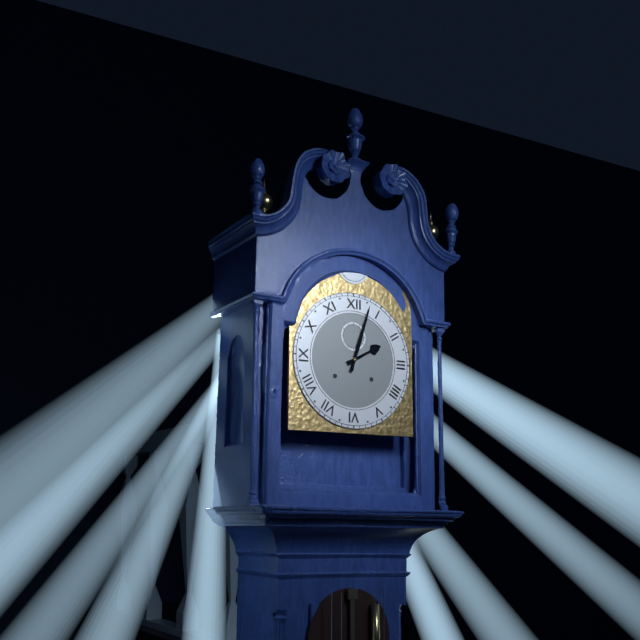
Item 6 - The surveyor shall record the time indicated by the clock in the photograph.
2:03
